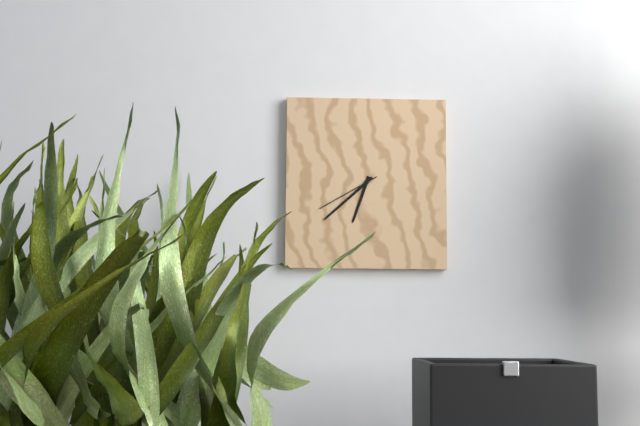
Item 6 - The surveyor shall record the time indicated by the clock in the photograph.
6:38:40
